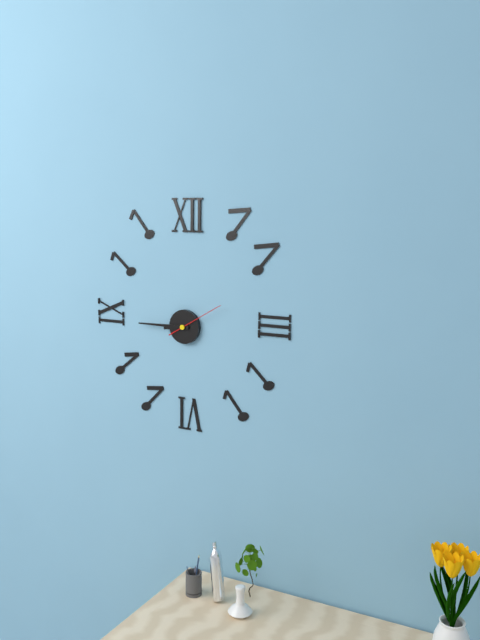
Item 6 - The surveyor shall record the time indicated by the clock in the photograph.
8:45:10
